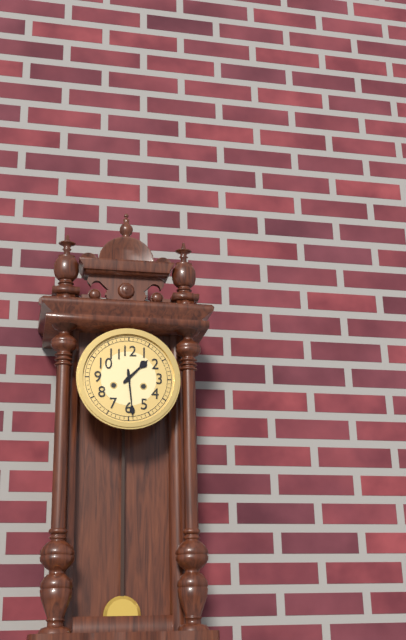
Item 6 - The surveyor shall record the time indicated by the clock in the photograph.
1:29
